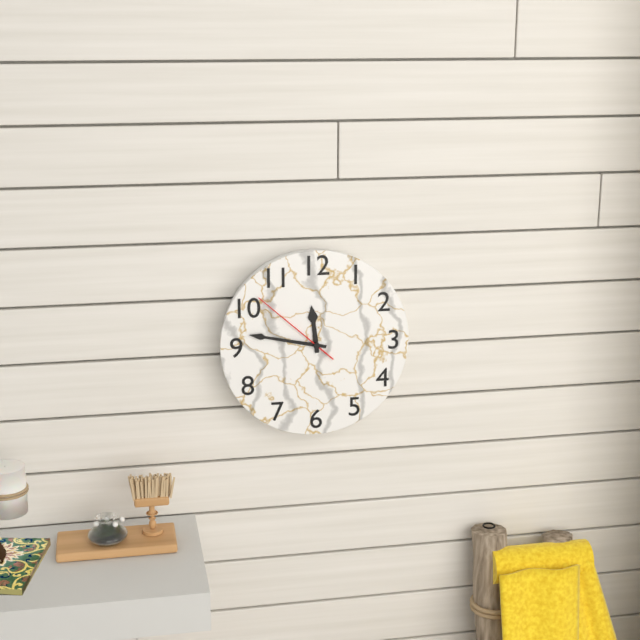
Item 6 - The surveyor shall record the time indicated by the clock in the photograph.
11:47:52
